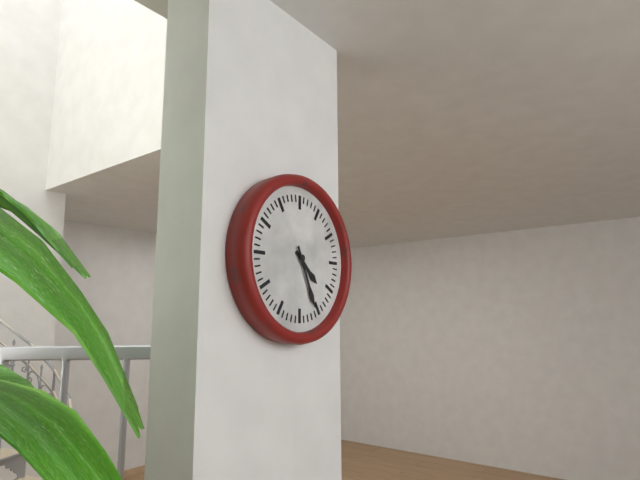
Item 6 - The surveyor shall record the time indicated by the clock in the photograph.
4:26
